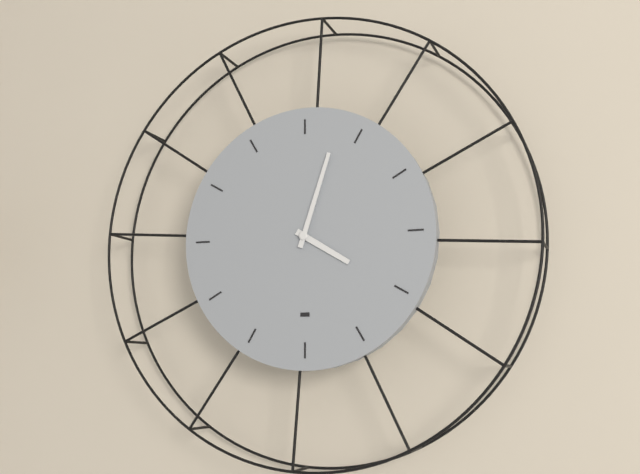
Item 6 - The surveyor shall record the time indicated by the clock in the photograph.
4:03
